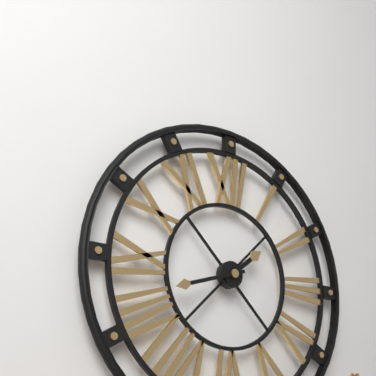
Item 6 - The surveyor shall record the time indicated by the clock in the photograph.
1:42
